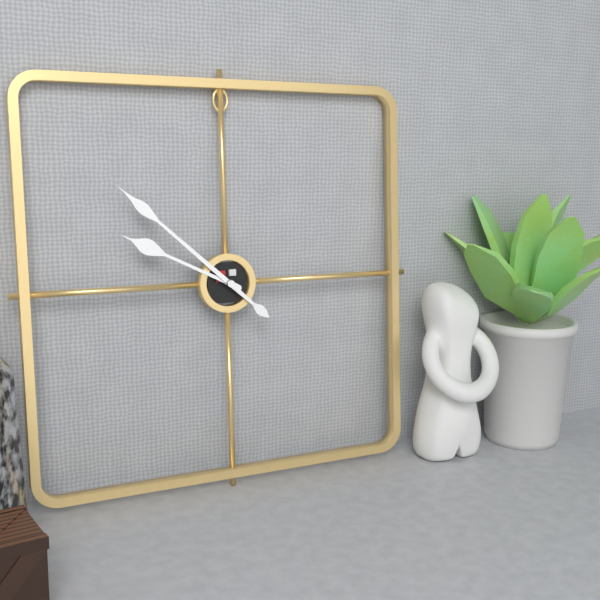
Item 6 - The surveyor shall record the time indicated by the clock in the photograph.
9:52
